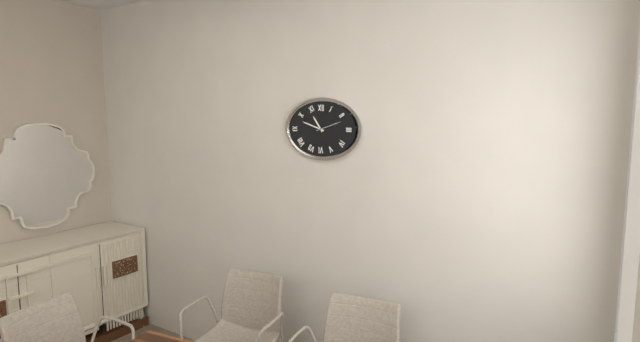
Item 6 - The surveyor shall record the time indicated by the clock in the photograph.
10:48
